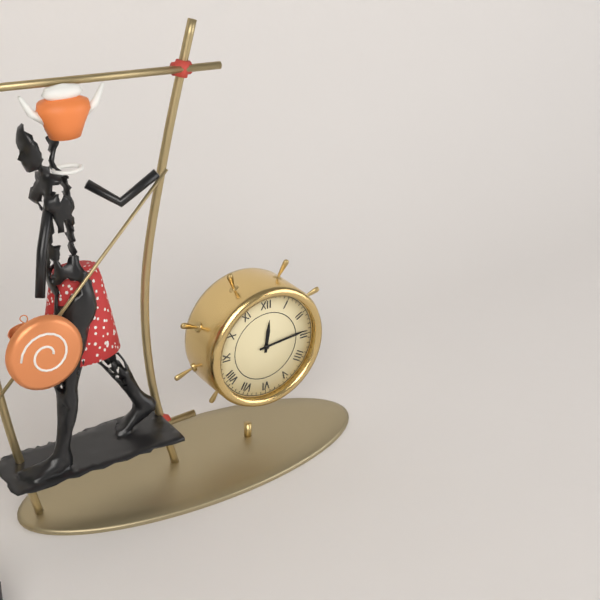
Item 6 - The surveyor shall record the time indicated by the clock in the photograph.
12:14
